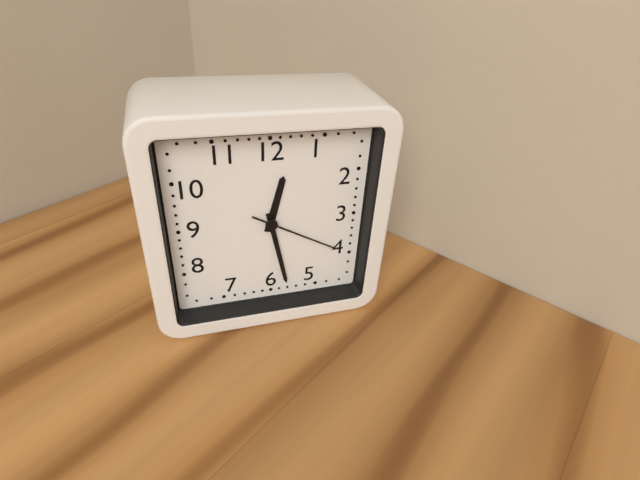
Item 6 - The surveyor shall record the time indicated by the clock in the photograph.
12:28:20
